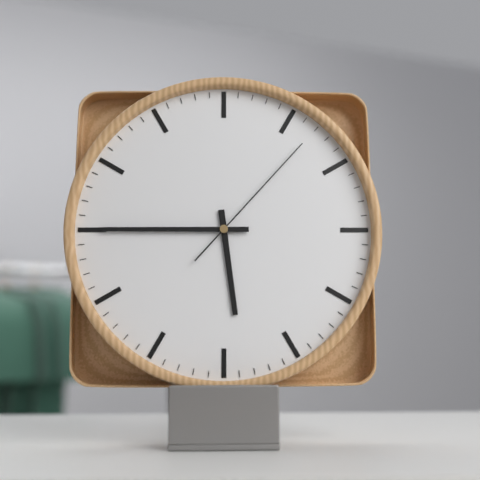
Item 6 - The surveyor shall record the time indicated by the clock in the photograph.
5:45:07
